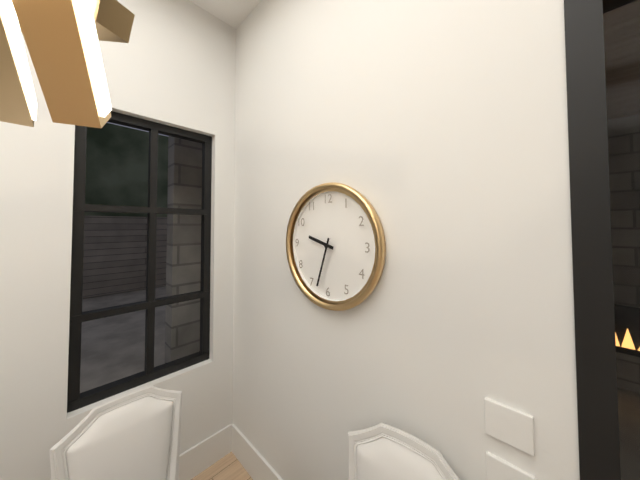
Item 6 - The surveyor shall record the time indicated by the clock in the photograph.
9:33
